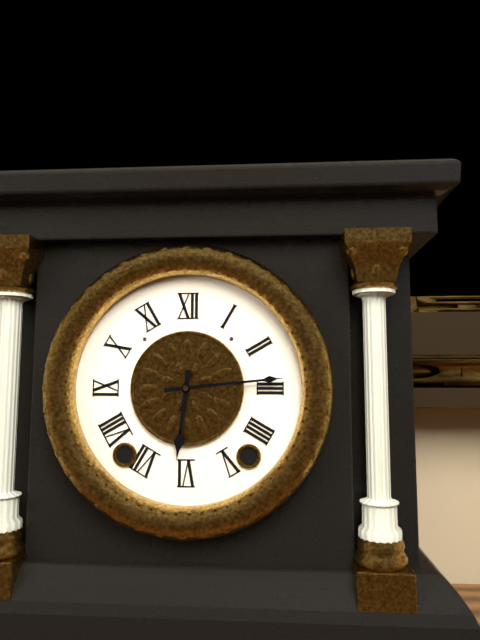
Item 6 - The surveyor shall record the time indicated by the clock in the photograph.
6:14
